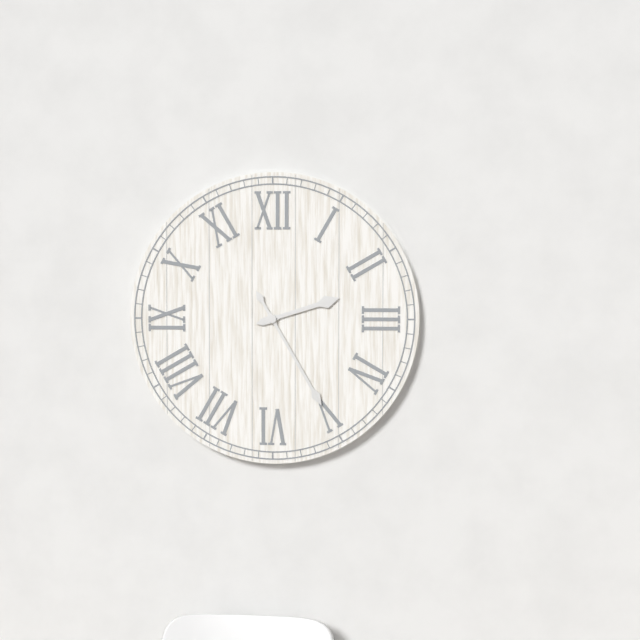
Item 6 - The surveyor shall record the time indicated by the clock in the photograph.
2:25
